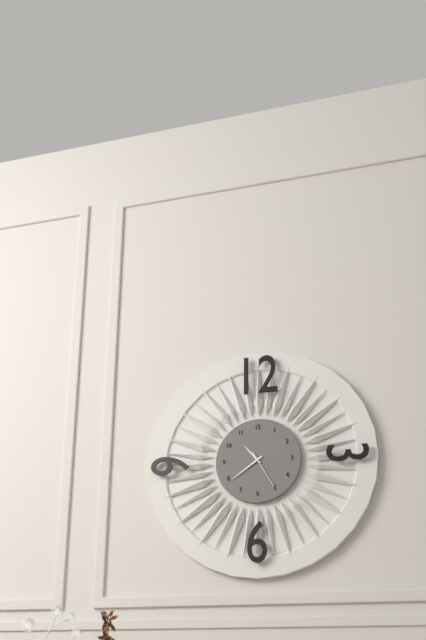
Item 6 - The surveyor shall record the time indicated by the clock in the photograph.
10:39
